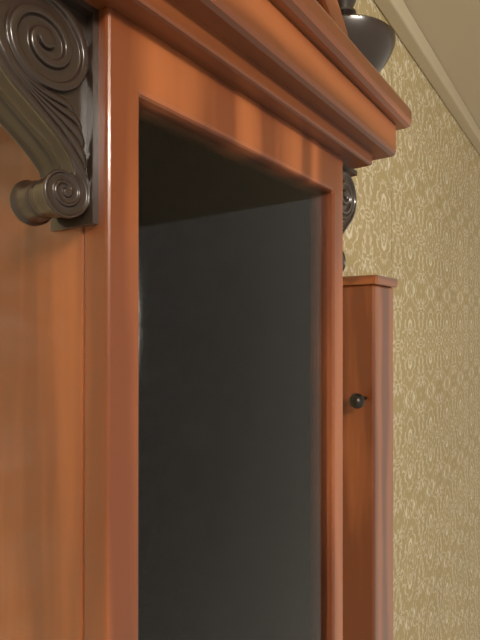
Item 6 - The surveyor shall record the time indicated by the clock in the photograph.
9:45
